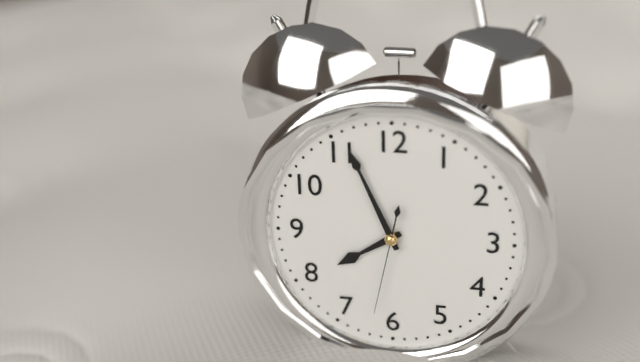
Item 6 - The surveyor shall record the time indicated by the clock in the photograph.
7:56:32
